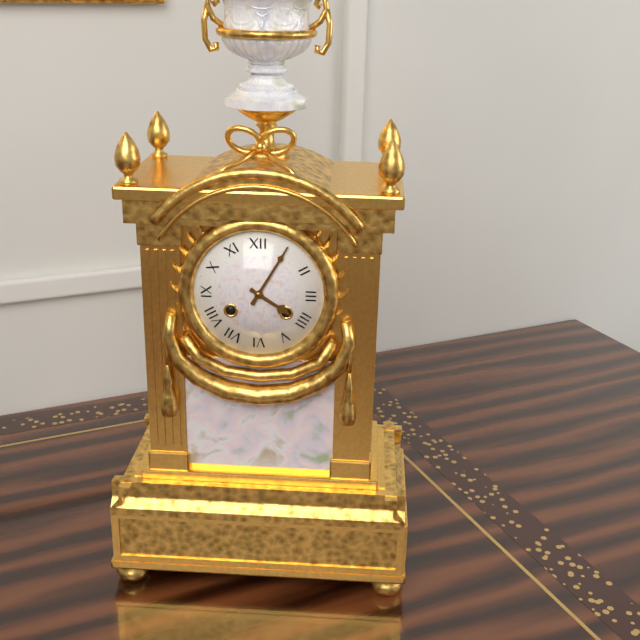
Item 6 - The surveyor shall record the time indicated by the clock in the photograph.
4:05
